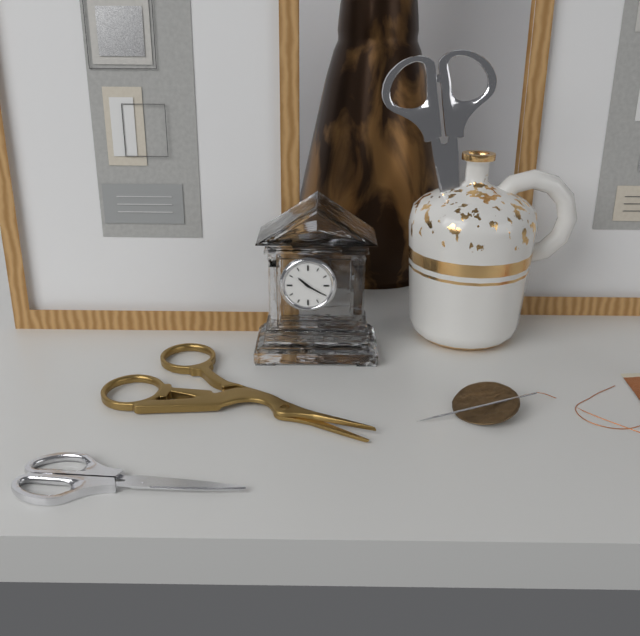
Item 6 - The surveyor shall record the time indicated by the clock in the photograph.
10:20
